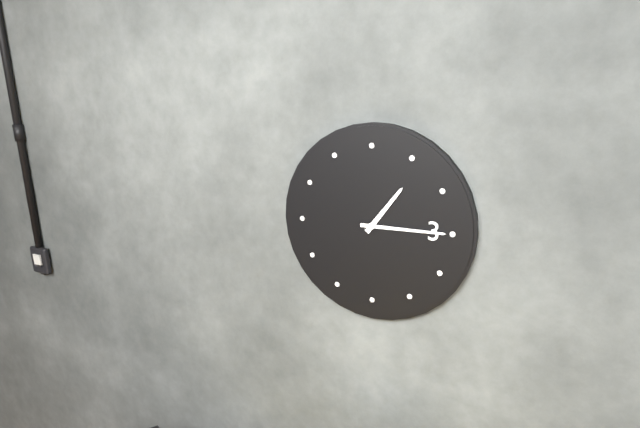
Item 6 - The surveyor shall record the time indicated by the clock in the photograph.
1:15
